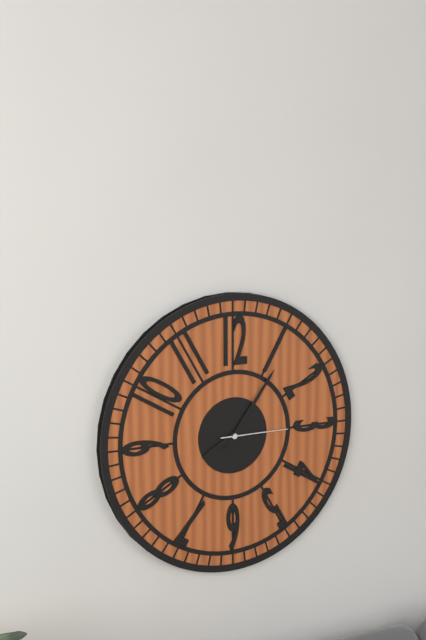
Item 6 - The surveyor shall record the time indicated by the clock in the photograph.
8:06:15
